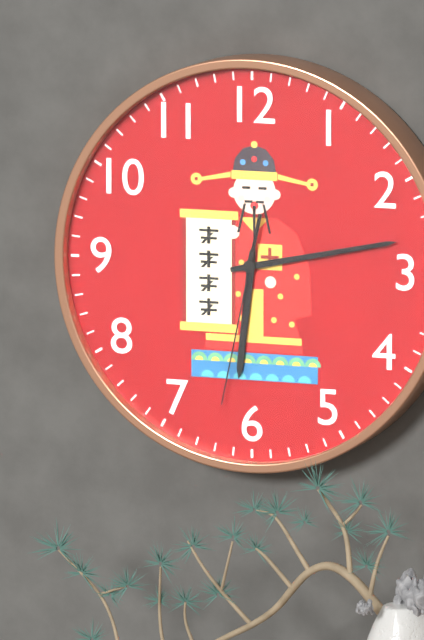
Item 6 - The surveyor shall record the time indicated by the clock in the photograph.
6:13:32
